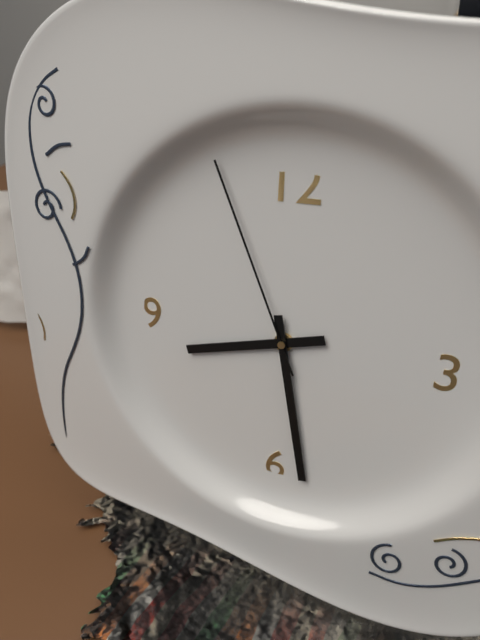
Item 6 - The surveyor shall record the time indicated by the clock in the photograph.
8:28:56
